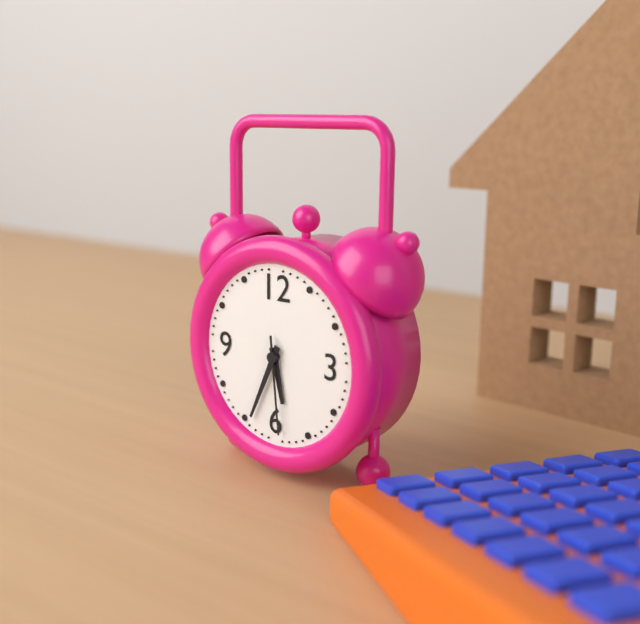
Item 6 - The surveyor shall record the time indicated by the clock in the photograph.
5:34:29
